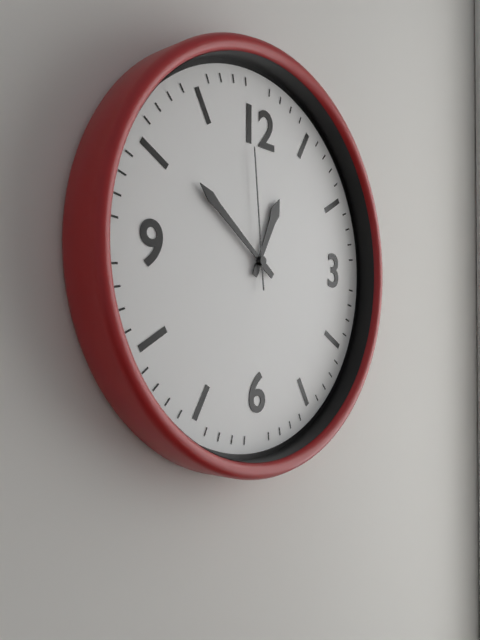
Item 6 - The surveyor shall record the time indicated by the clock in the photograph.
12:51:59
